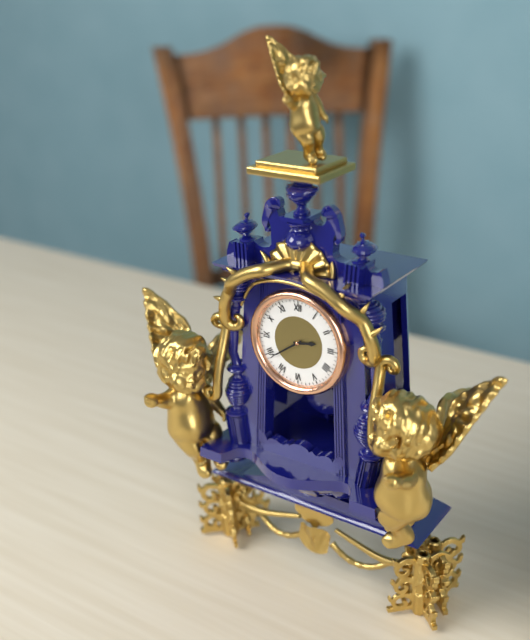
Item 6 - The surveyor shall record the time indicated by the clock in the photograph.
2:39
